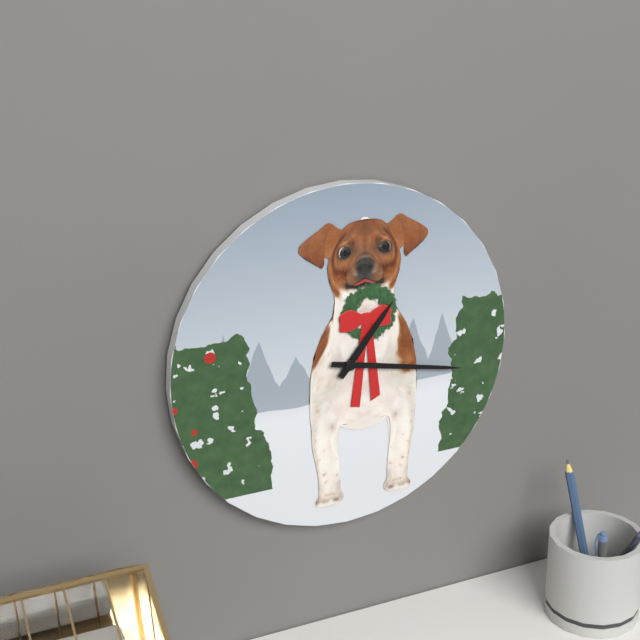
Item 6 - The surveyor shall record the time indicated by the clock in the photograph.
1:17
